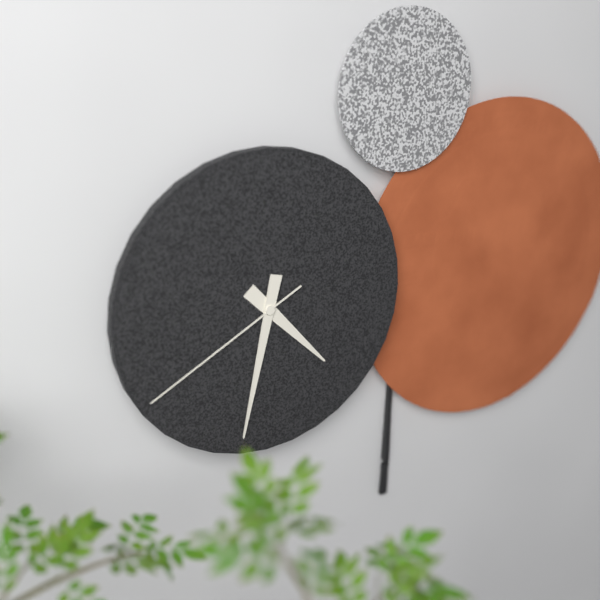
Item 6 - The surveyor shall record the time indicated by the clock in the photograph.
4:32:40
